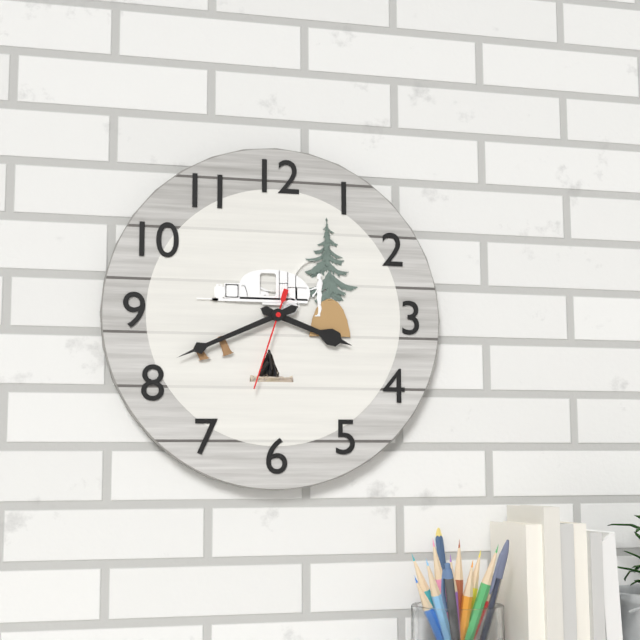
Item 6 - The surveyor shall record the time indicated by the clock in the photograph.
3:41:33
